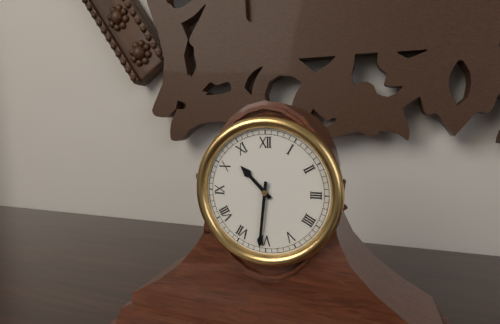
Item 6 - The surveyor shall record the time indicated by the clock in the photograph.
10:31
